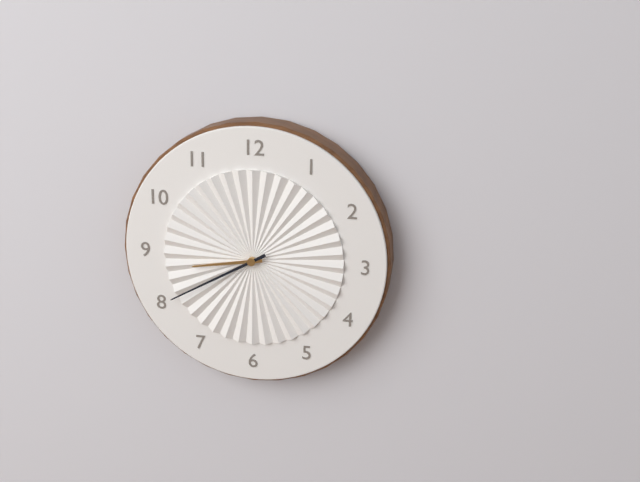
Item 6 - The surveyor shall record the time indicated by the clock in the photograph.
8:40
